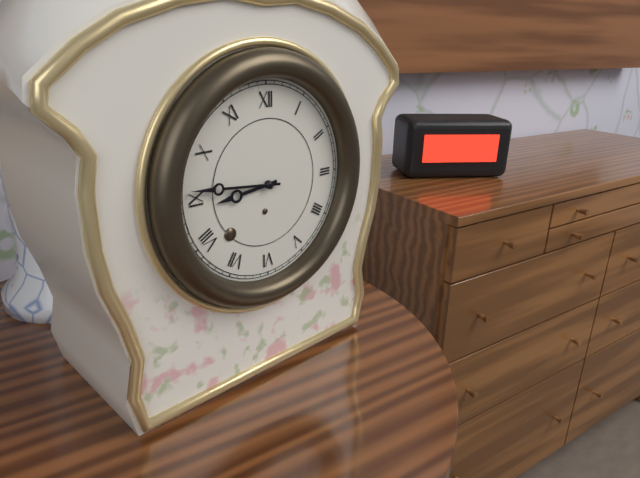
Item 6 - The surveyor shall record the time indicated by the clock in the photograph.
8:46
